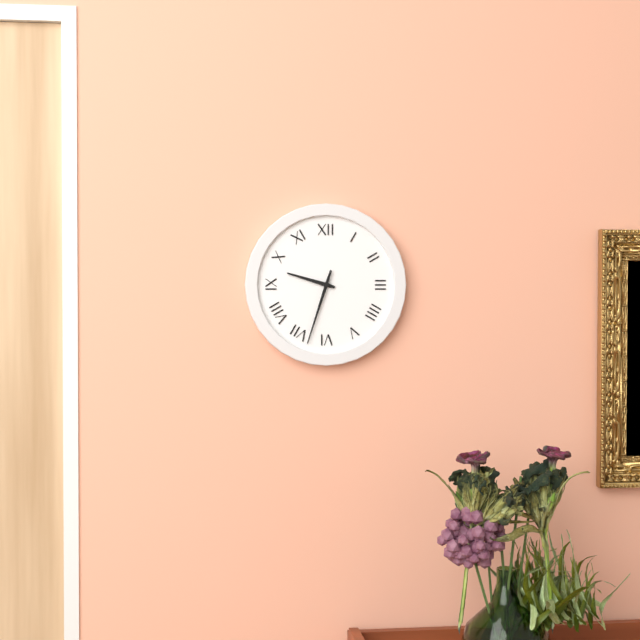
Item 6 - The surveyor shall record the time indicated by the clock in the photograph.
9:33
